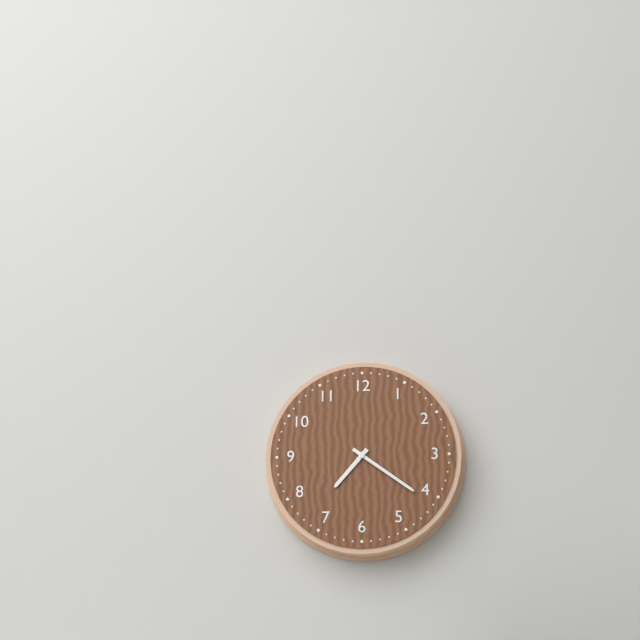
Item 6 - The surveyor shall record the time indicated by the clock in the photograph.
7:21
